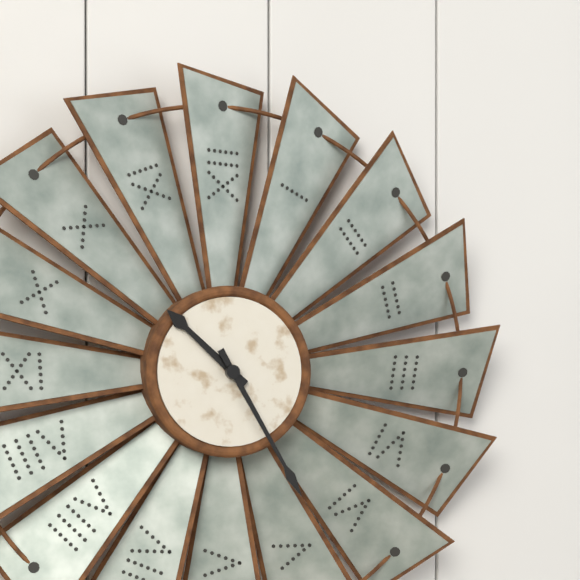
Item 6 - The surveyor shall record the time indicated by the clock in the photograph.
10:25
